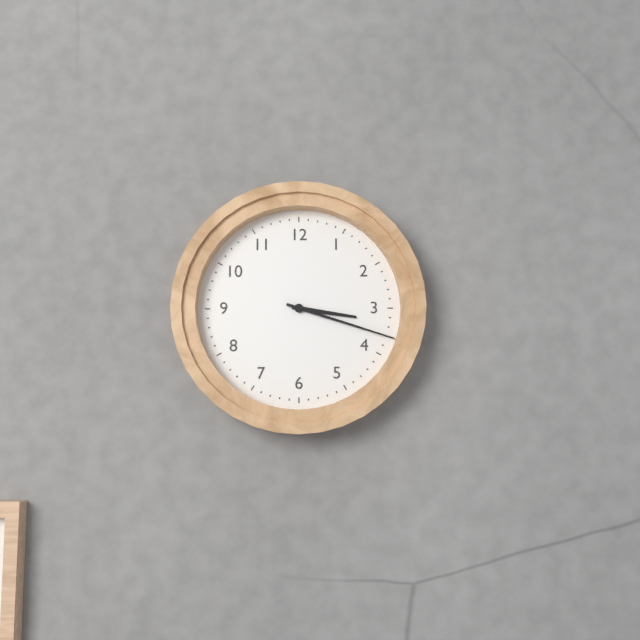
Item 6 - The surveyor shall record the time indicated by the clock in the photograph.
3:18
